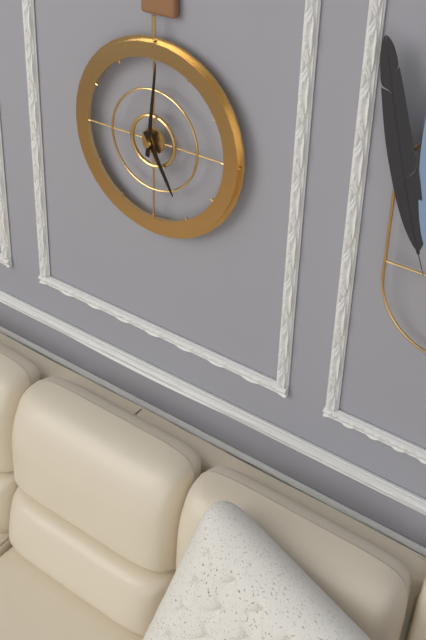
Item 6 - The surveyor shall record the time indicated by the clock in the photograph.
5:01
